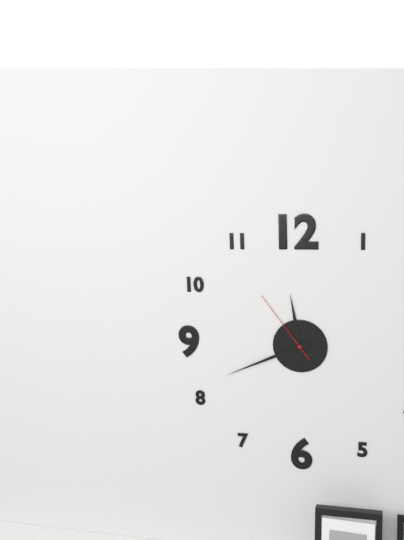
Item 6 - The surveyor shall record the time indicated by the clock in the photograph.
11:41:54
